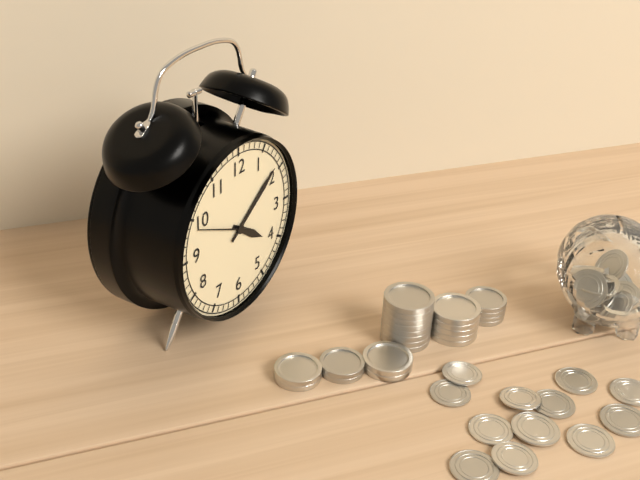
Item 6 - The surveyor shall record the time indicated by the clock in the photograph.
4:09:49
